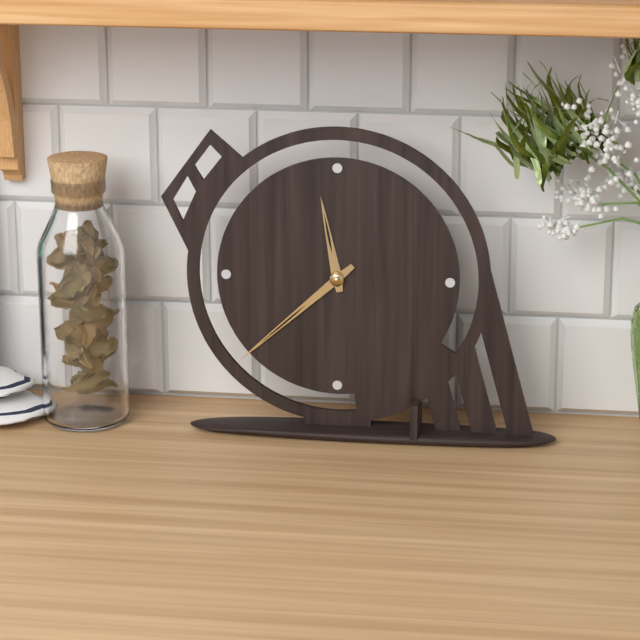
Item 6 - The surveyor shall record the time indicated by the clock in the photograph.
11:38
